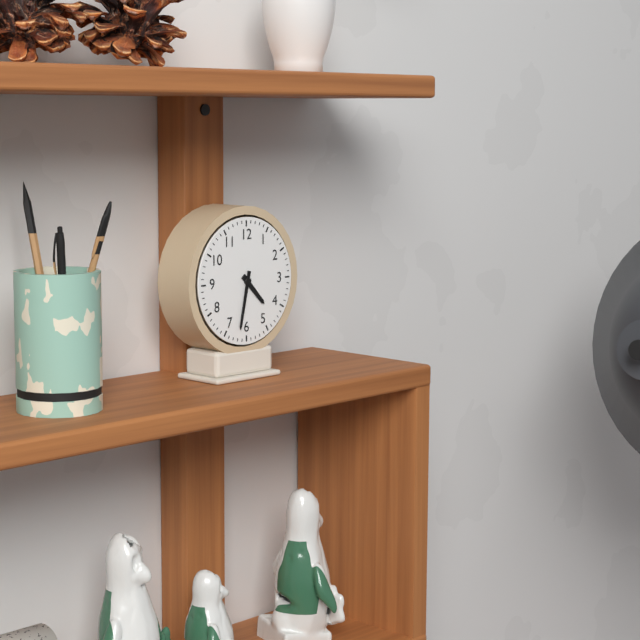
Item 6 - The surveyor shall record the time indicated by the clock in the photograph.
4:32
